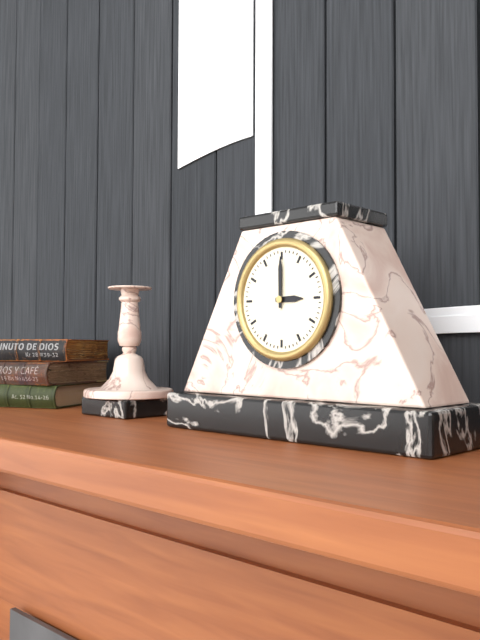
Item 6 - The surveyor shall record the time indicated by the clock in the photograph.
3:00
